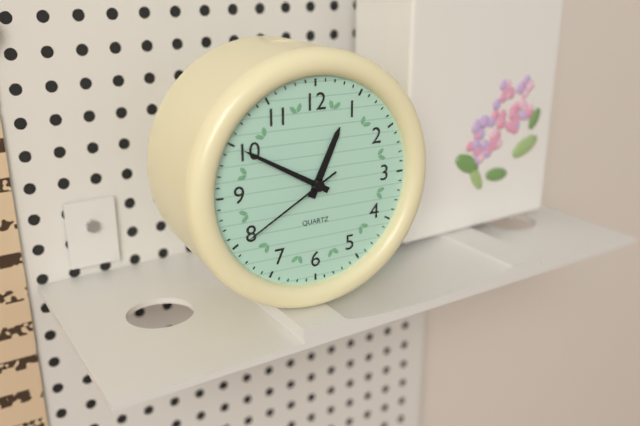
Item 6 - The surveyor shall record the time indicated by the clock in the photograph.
12:50:40
